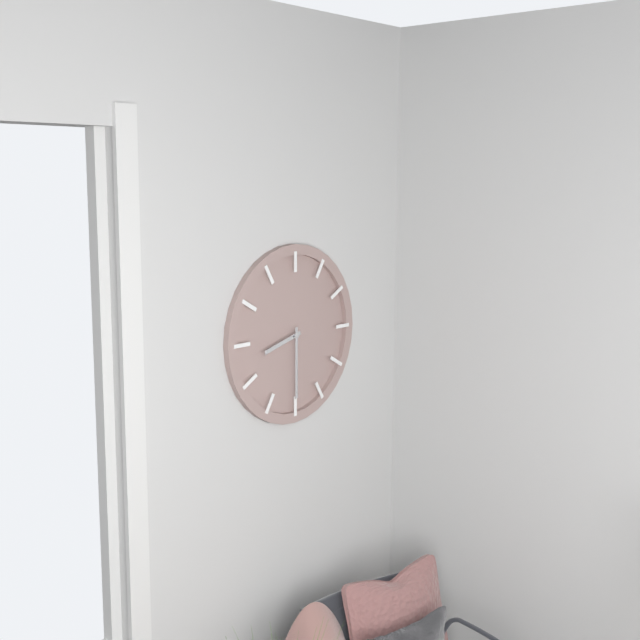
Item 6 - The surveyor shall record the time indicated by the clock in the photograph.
8:30
